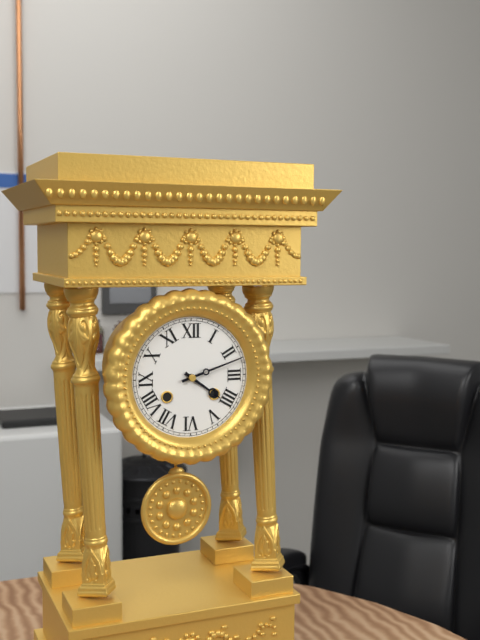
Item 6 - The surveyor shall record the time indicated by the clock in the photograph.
4:12
